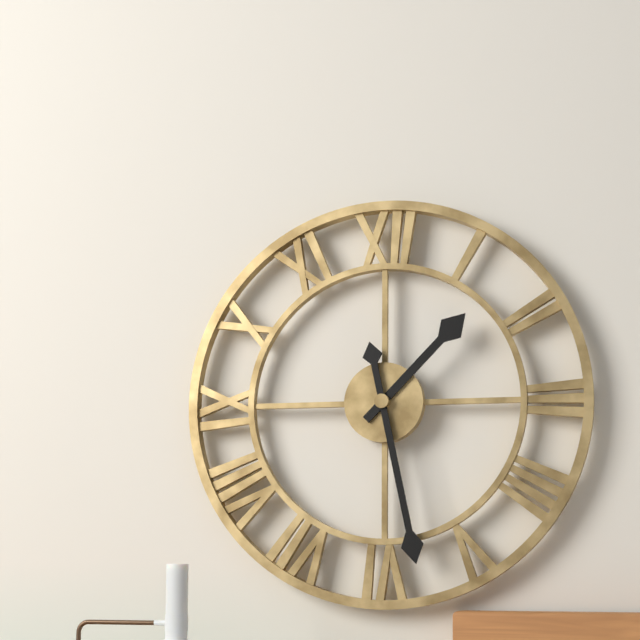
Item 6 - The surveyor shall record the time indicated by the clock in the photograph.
1:28
